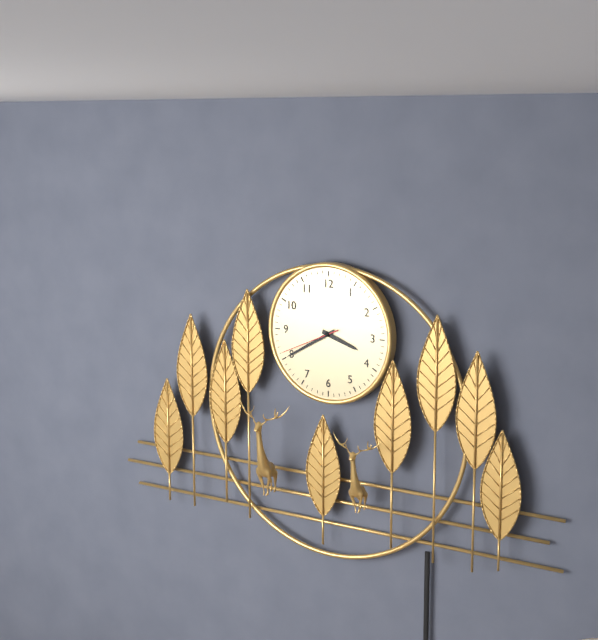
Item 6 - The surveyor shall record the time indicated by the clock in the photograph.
3:40:41
